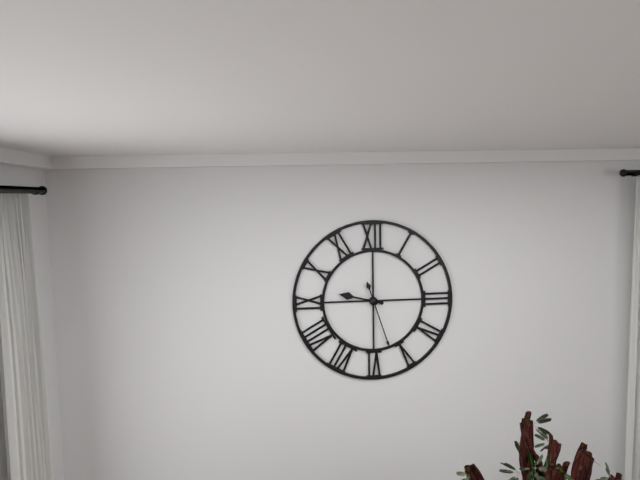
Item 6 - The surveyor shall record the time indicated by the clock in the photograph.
9:27
